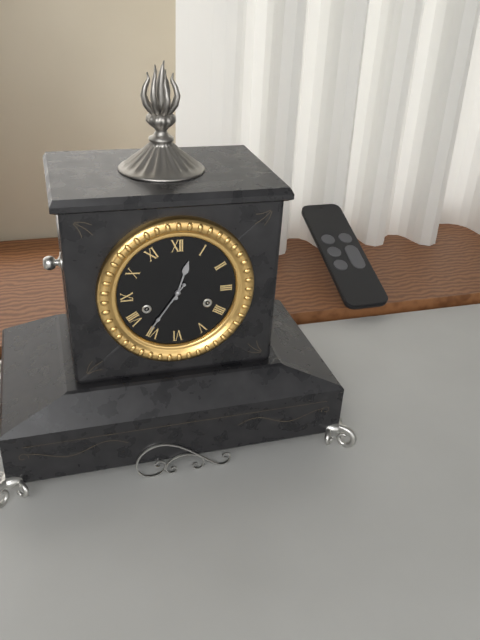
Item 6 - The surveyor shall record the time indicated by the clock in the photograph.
12:36
